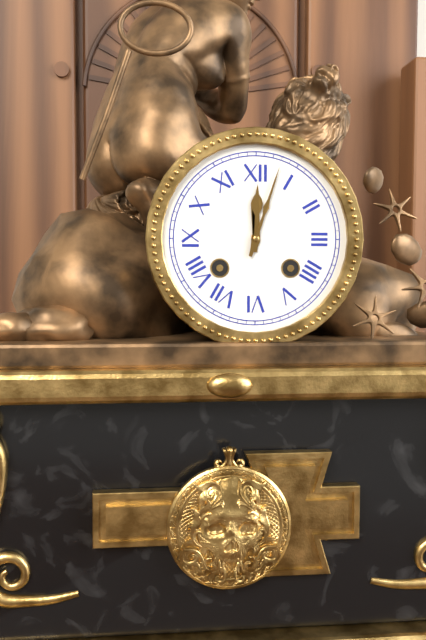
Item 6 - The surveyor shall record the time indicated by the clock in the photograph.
12:03
